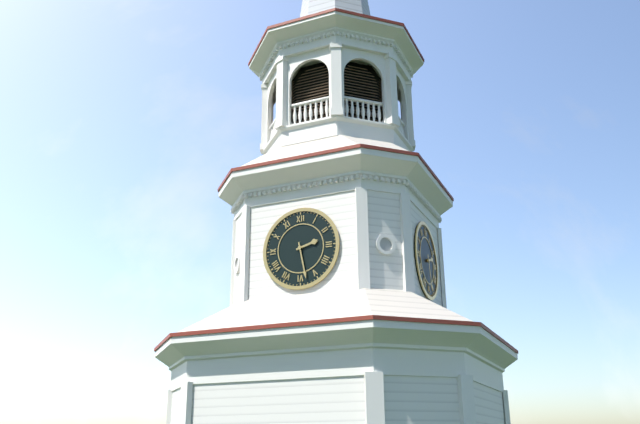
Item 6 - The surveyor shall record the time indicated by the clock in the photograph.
2:28
